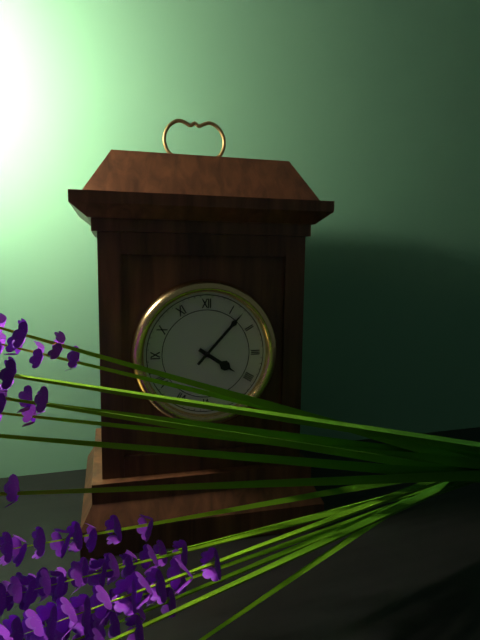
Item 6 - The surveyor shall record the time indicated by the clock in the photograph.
4:07
